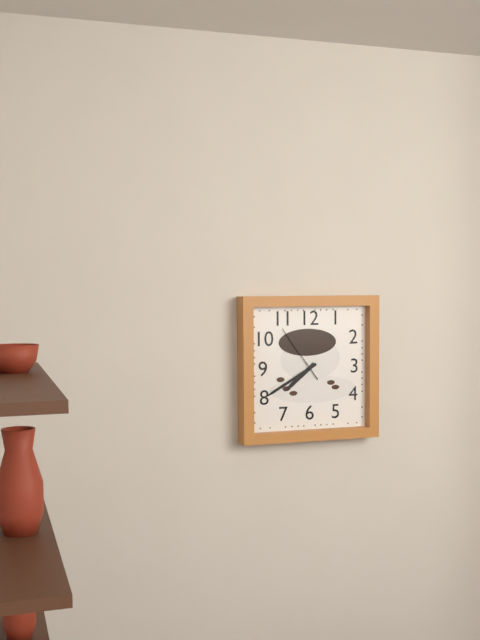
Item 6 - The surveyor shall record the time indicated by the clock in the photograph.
7:40:54
